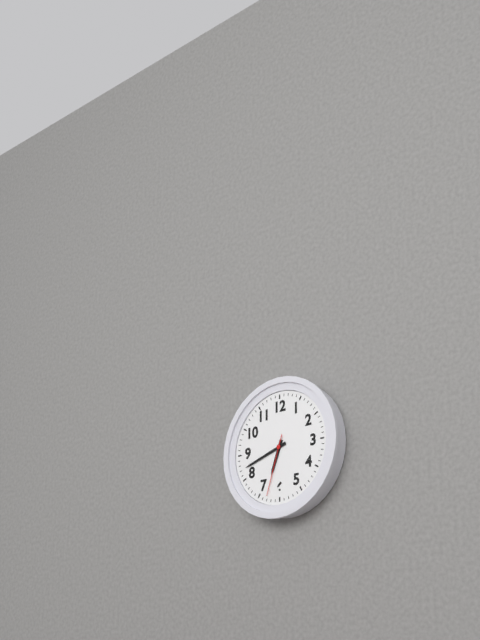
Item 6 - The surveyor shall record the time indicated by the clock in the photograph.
6:42:33
